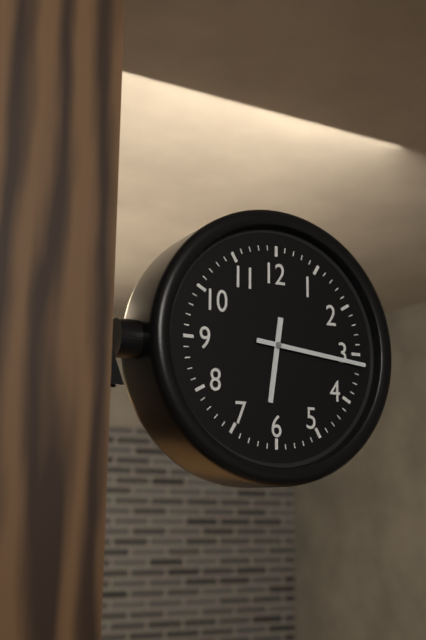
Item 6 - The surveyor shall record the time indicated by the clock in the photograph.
6:16
